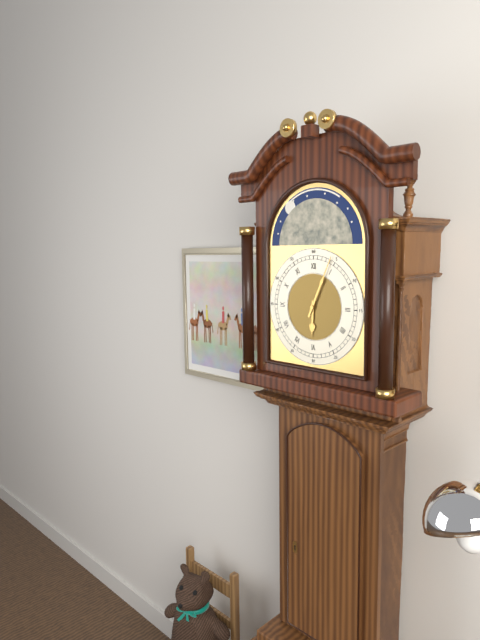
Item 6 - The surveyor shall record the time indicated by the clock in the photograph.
6:04
